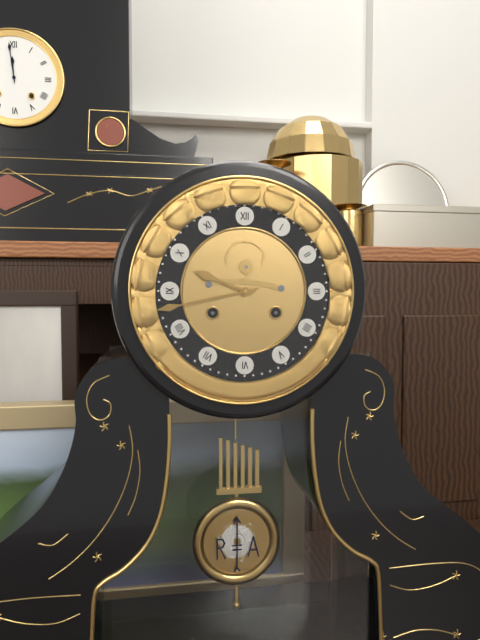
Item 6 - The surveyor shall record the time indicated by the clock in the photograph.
9:43
